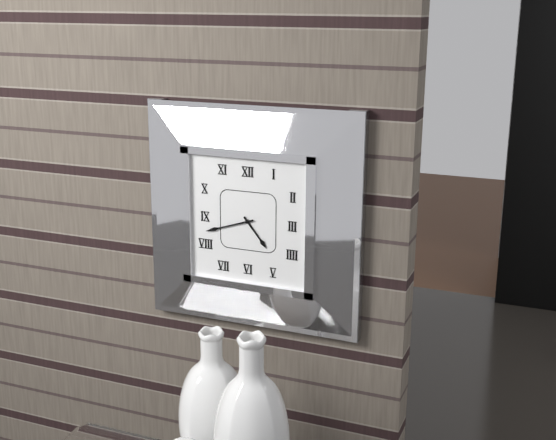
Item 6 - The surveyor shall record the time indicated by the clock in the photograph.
4:42
